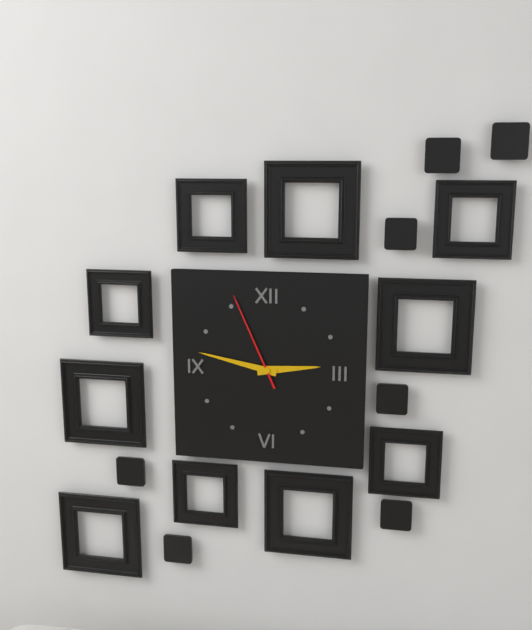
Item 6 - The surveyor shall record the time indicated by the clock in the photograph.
2:47:56
